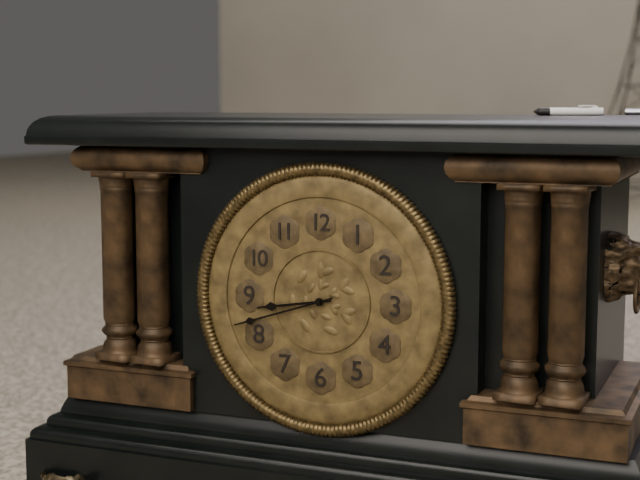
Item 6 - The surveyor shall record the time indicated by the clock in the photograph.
8:42
